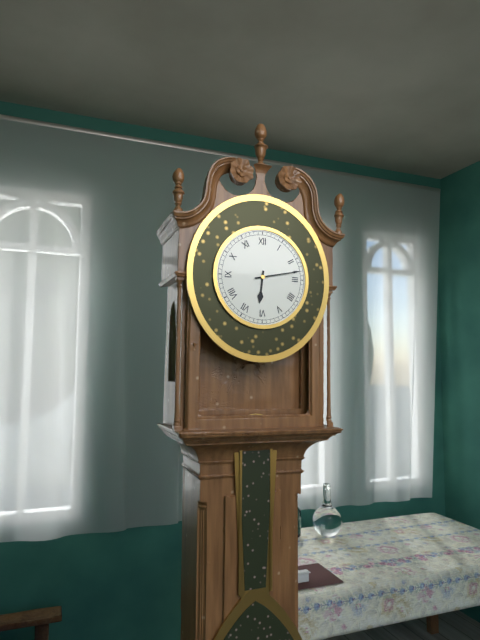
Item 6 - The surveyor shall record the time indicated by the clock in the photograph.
6:13
